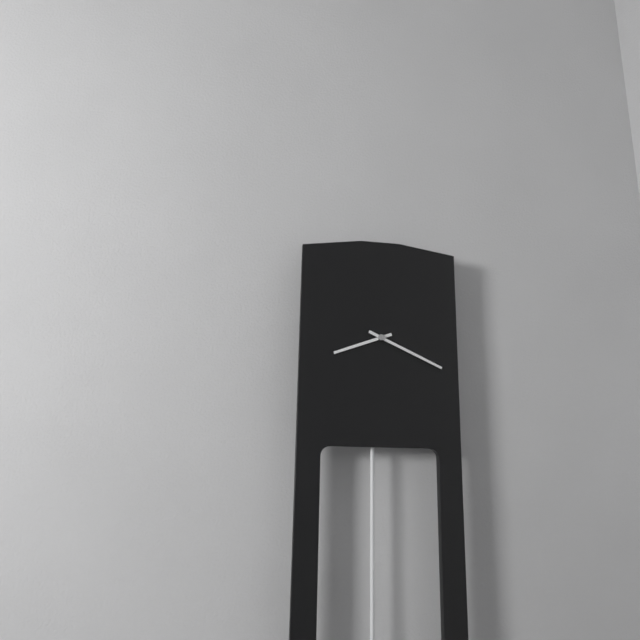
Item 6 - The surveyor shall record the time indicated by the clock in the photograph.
8:19
